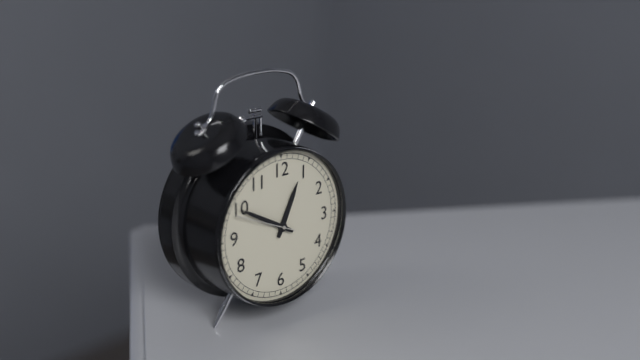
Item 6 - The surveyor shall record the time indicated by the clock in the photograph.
12:50:49
